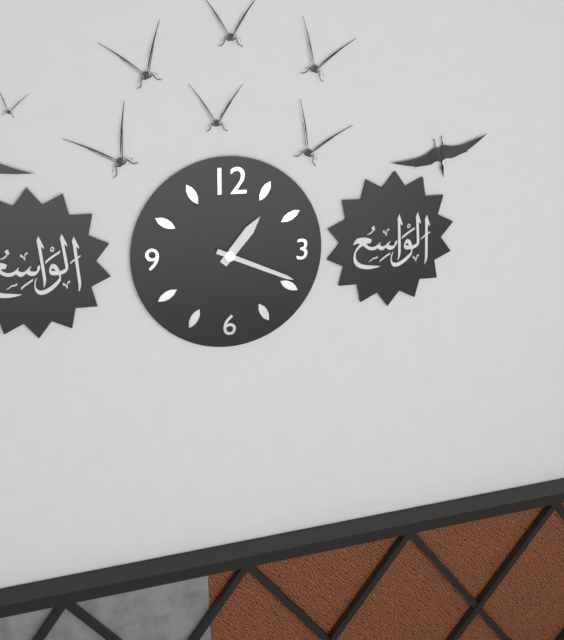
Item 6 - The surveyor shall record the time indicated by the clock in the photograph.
1:19
